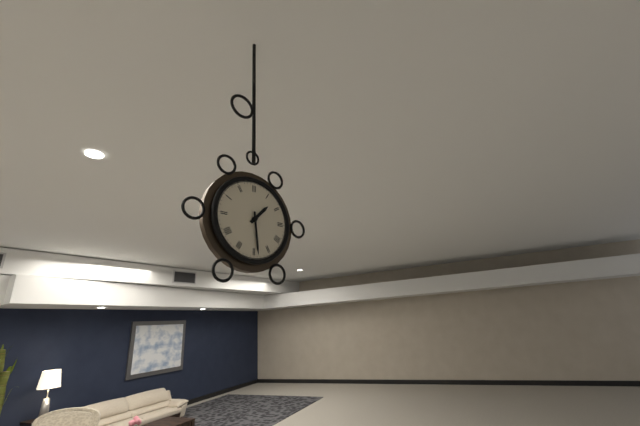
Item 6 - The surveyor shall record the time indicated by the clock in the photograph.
1:29
